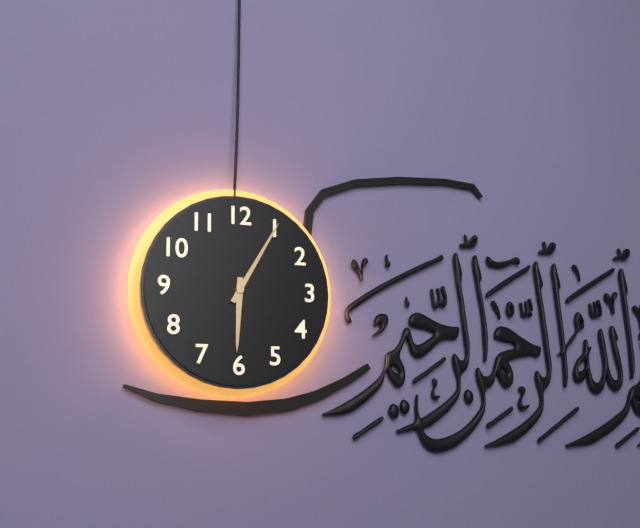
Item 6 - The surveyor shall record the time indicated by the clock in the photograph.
6:05
